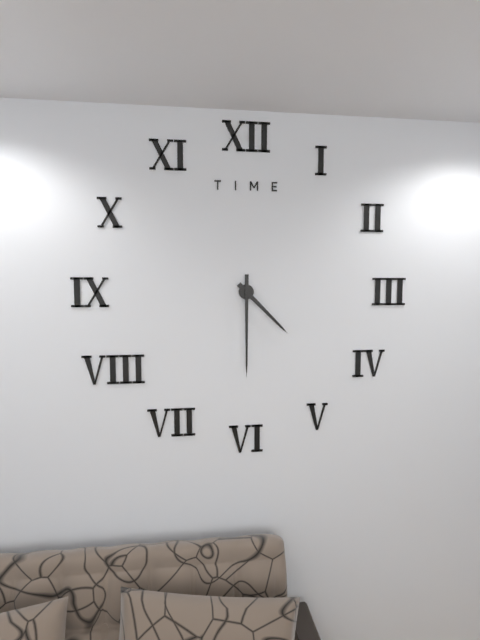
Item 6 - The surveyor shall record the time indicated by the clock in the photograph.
4:30
